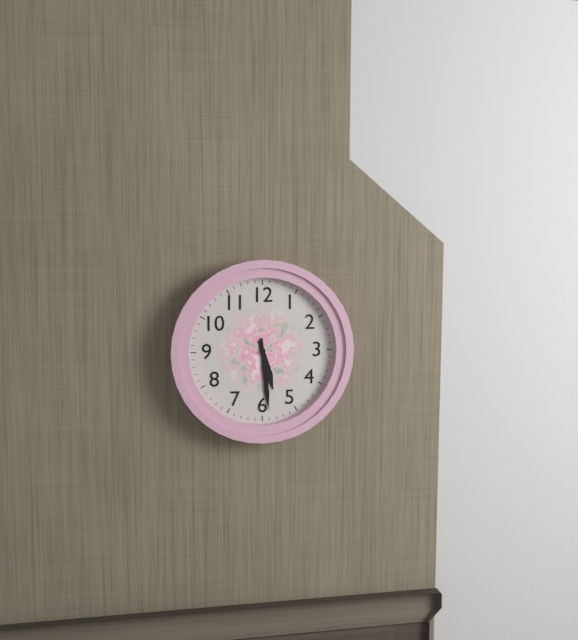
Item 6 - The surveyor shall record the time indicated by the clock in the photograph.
5:29
